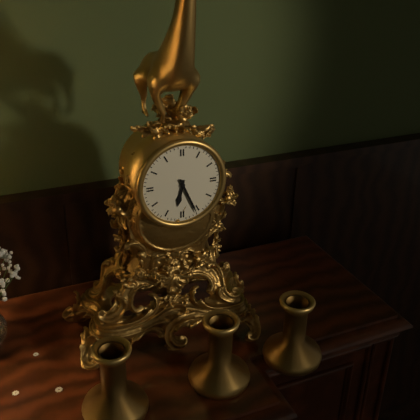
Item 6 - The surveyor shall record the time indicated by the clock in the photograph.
6:26
